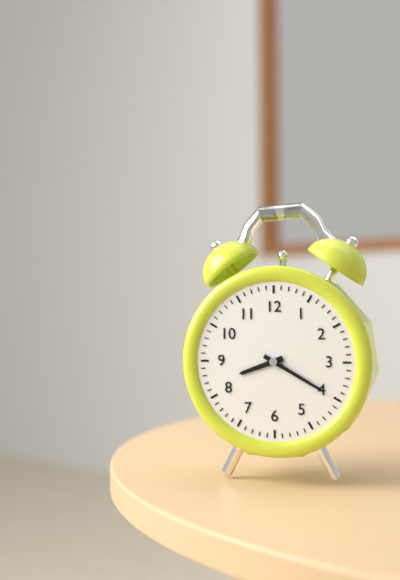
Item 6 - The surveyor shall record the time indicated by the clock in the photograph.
8:20
